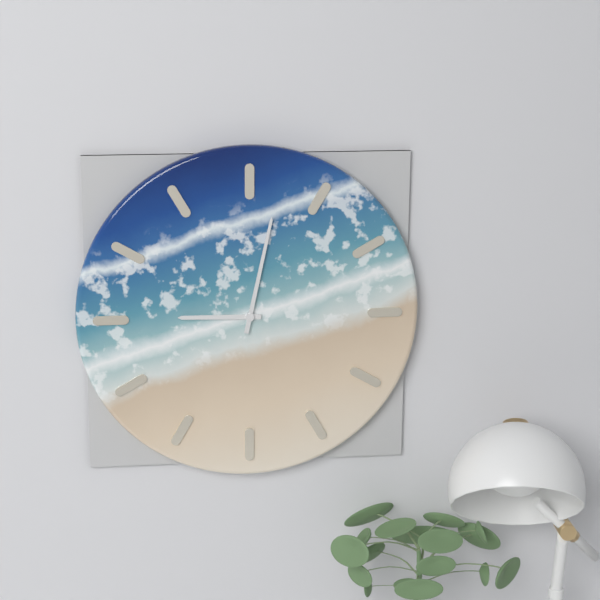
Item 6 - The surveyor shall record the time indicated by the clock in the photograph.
9:02
